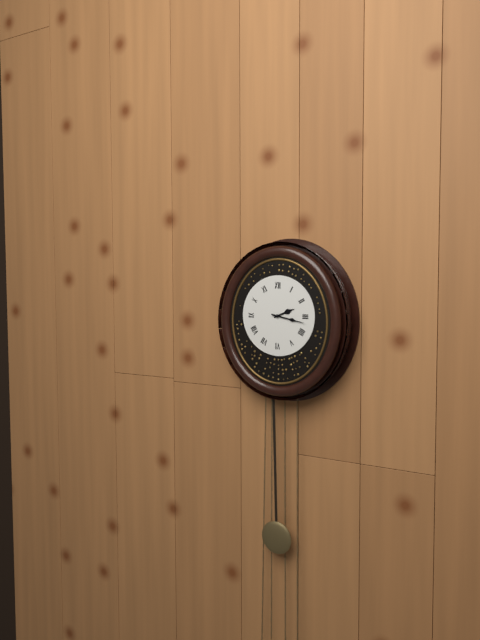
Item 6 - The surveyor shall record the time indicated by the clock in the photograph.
2:17
